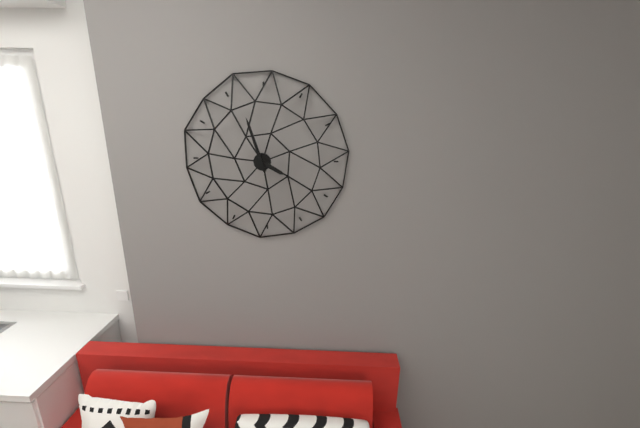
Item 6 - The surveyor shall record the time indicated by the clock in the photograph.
3:57
